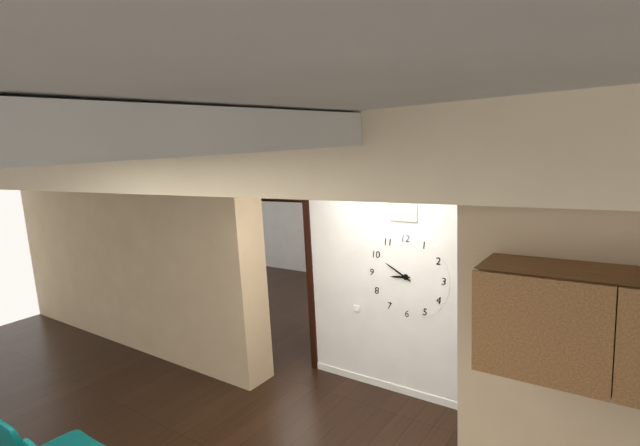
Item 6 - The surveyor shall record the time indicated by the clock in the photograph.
8:50
